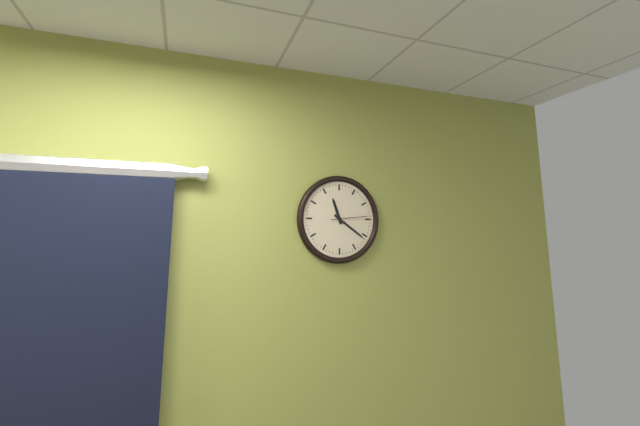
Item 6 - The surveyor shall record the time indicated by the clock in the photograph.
11:21
